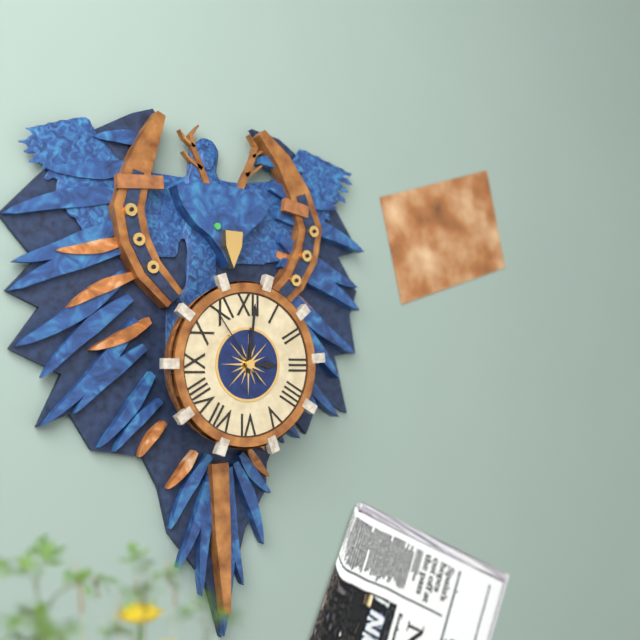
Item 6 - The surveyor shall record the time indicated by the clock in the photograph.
3:01:54
